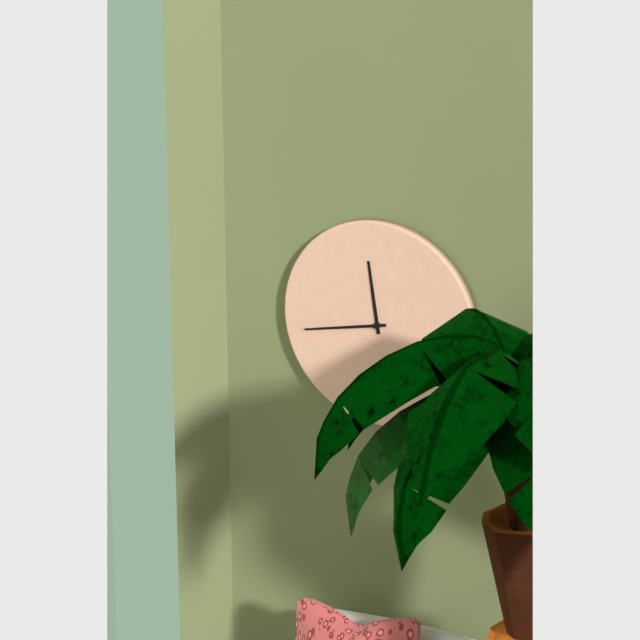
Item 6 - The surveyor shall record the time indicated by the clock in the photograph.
11:43
